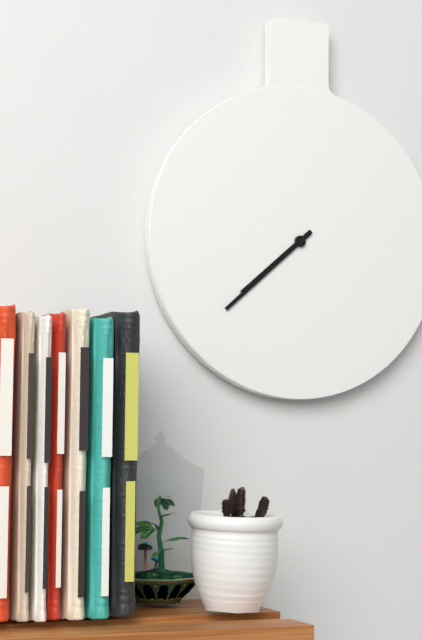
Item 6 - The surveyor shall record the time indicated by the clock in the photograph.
7:38
